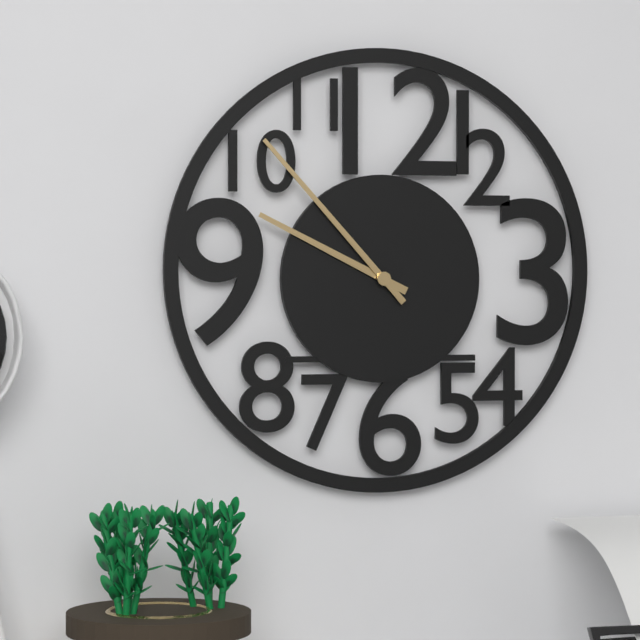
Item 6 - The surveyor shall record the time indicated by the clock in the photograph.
9:53
